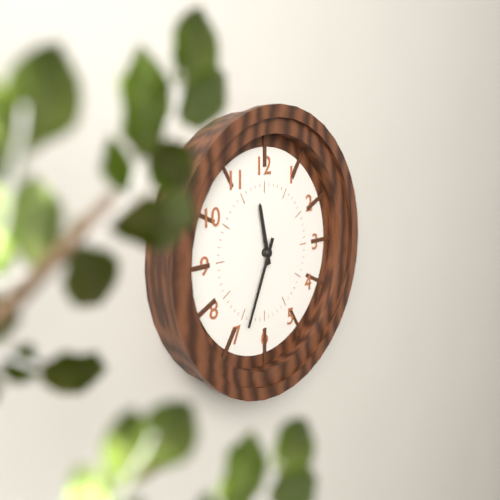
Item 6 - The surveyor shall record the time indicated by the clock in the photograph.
11:34
